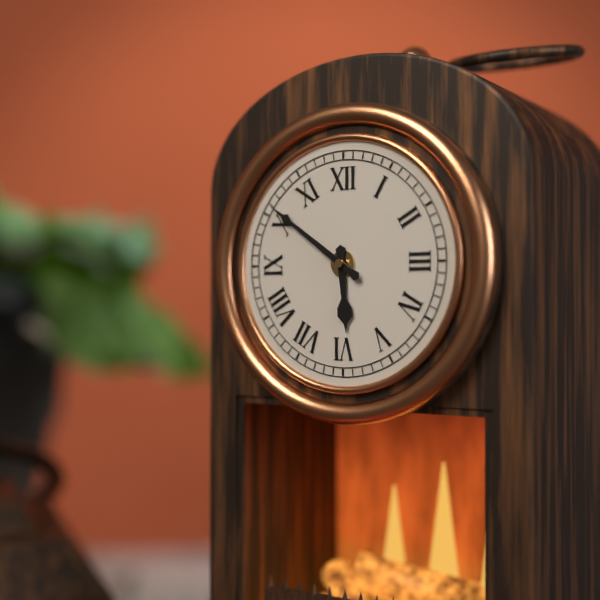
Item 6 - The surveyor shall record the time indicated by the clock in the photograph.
5:51
